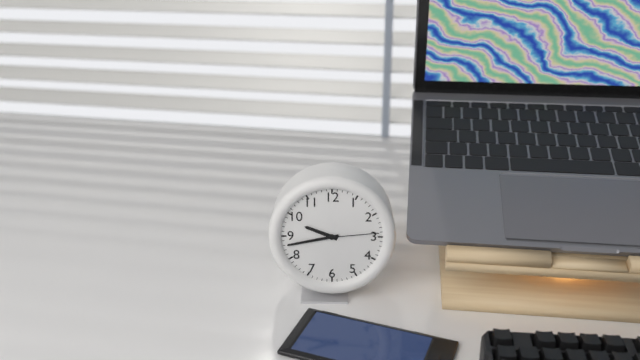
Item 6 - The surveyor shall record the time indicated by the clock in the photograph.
9:43:14
